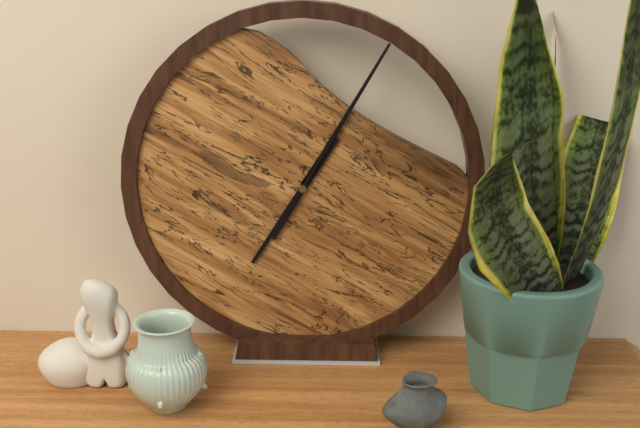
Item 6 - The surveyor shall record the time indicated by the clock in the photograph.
7:05
